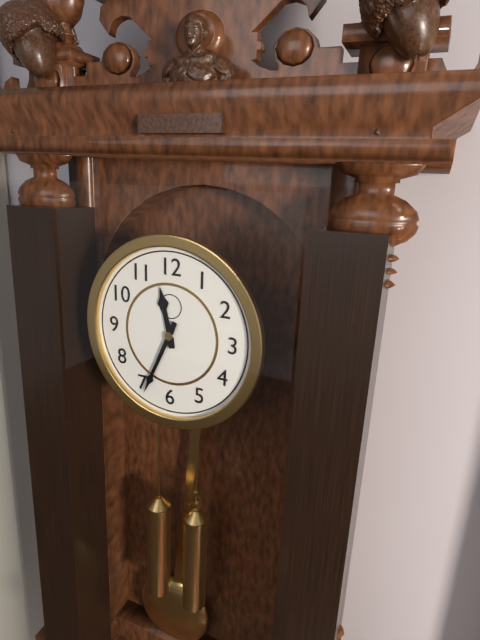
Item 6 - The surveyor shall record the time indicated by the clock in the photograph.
11:34
